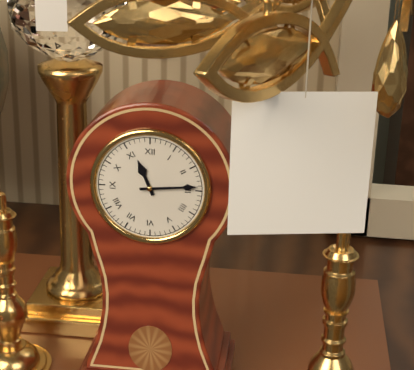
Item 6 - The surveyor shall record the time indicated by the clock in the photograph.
11:14
